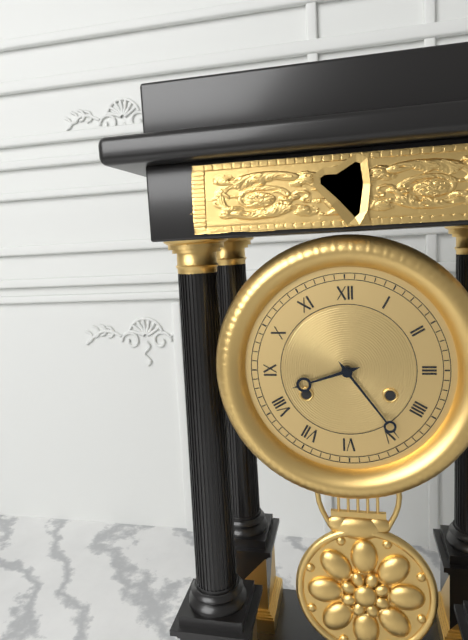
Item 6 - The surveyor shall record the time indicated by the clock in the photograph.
8:24
